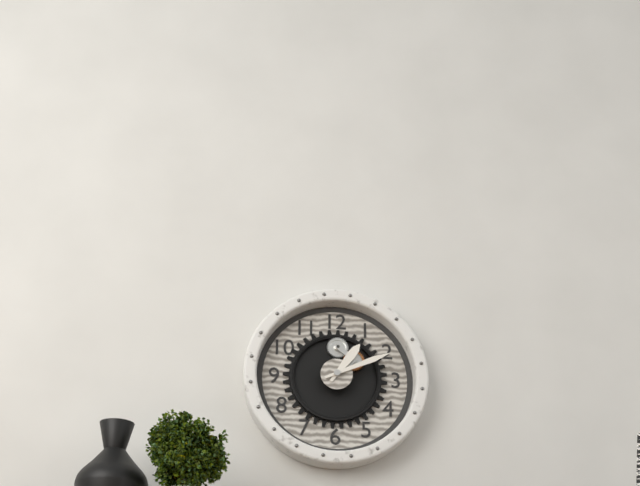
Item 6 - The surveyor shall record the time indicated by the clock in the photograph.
1:11
